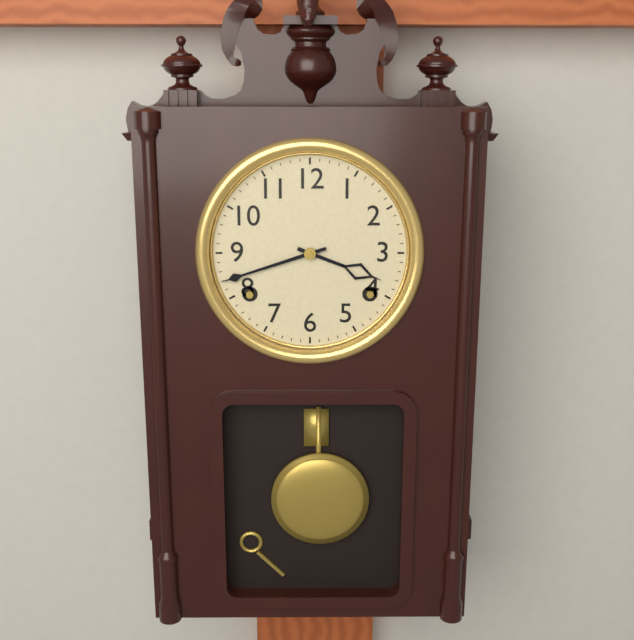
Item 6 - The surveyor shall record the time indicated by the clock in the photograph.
3:42
